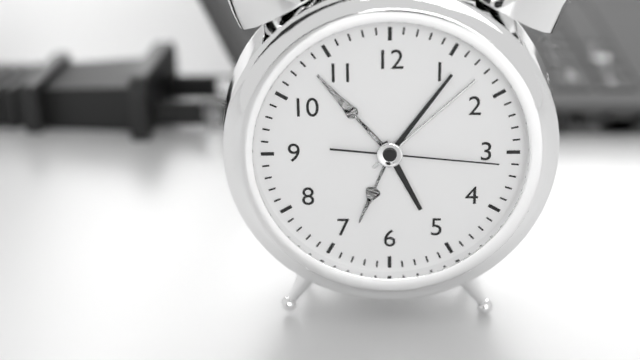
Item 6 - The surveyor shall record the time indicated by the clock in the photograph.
5:06:16
